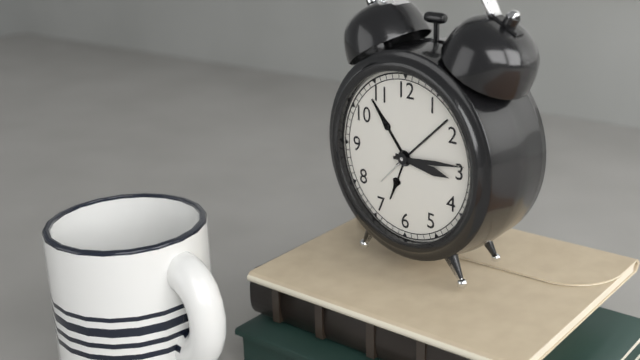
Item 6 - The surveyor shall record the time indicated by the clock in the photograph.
3:14
